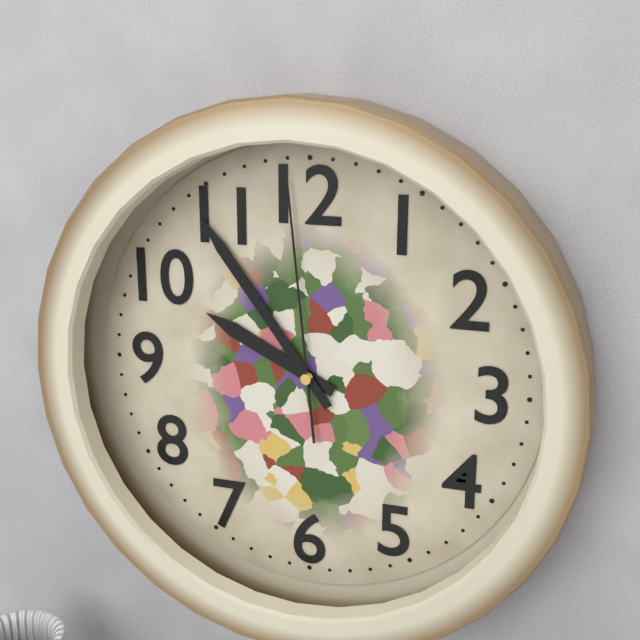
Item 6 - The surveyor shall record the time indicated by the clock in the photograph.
9:54:59
